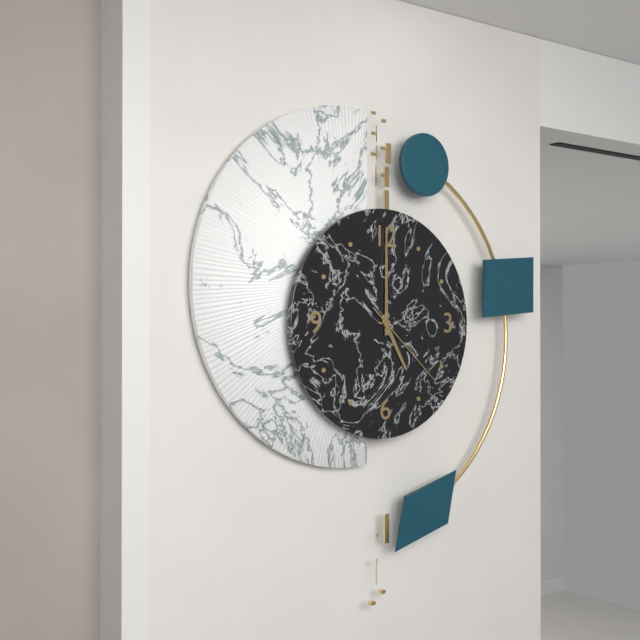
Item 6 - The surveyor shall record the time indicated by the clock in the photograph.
5:00:22
